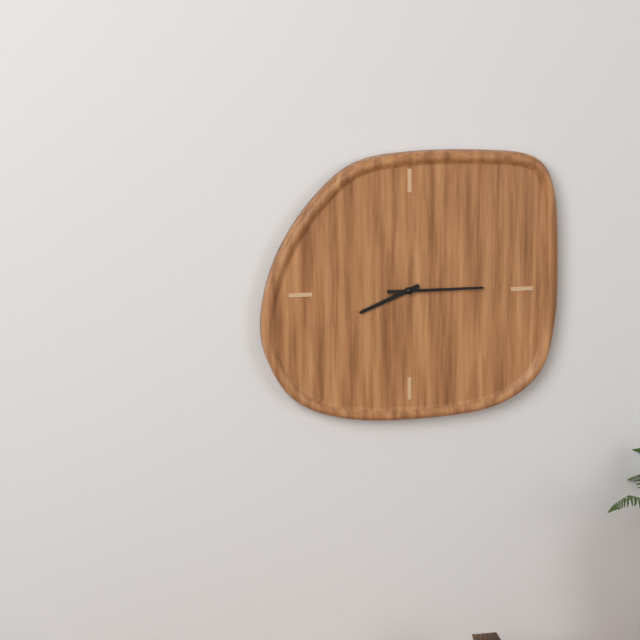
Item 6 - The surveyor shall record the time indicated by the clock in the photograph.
8:15
